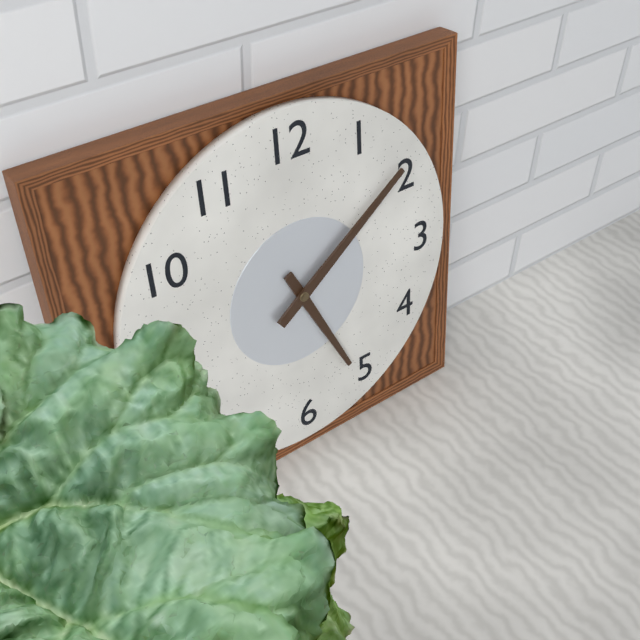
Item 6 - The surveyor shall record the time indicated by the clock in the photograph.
5:09
